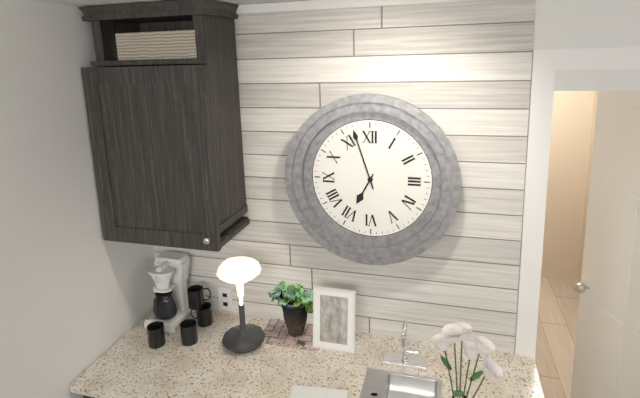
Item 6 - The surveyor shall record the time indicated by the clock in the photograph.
6:57
